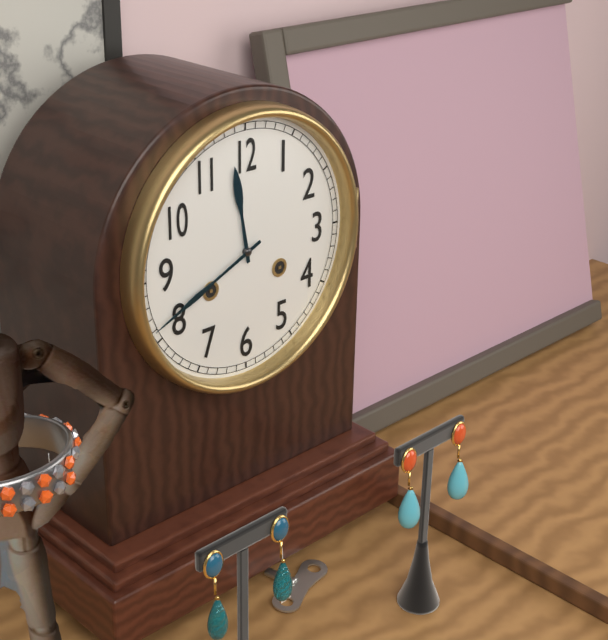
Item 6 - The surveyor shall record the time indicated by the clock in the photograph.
11:41
